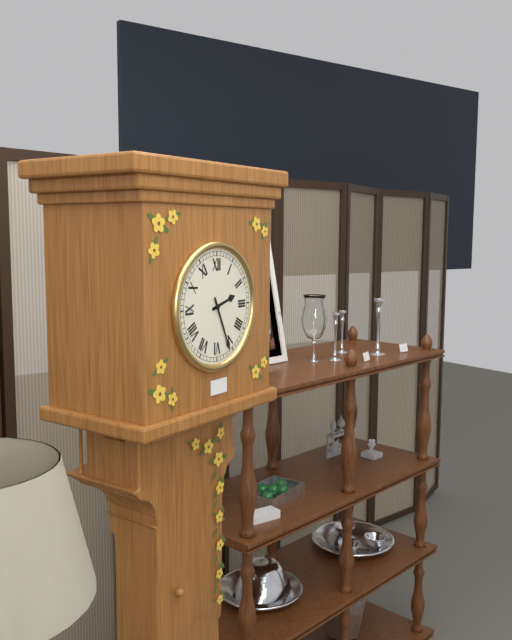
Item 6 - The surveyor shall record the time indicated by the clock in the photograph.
2:26
